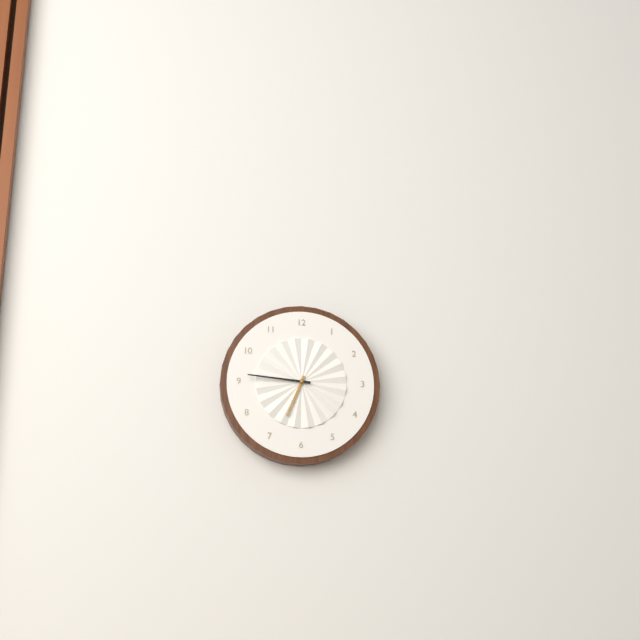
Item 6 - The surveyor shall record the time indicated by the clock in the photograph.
6:46
